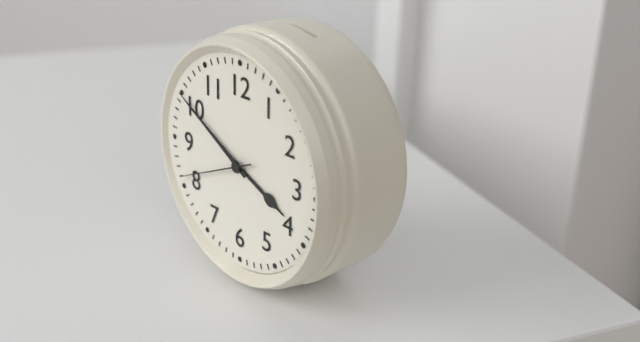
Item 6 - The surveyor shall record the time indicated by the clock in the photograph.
3:50:41
